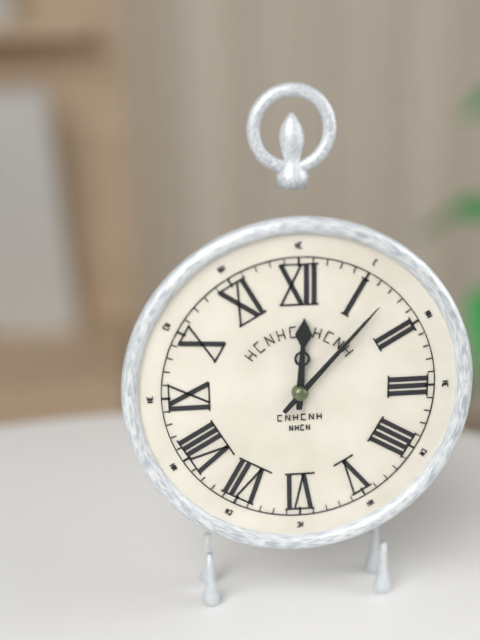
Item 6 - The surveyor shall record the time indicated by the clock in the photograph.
12:07
